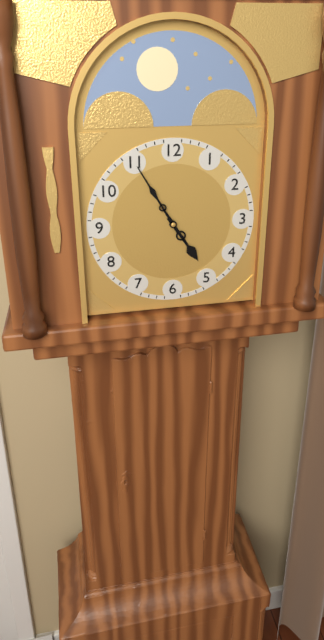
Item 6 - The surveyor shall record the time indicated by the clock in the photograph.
4:55
